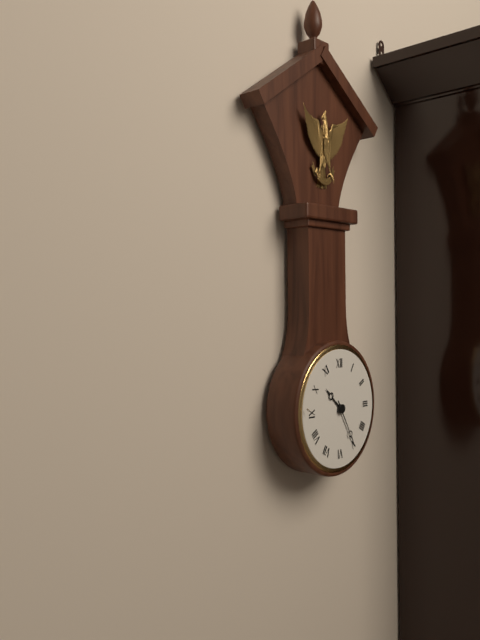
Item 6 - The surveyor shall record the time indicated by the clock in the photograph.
10:25
